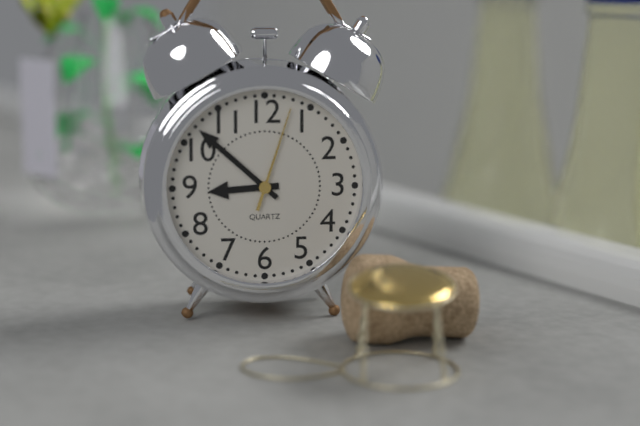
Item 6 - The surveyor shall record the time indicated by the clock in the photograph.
8:52:03
